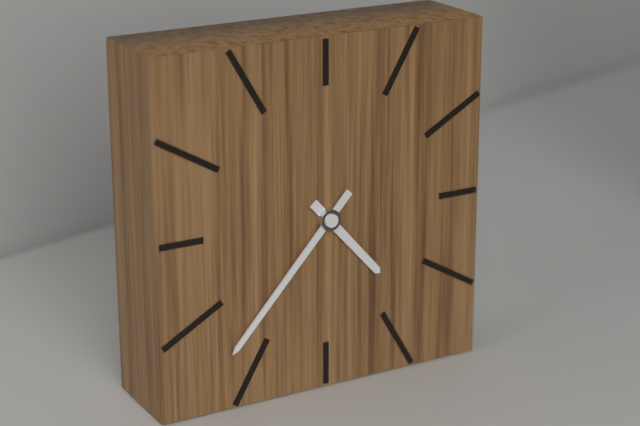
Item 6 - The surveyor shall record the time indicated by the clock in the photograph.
4:37
